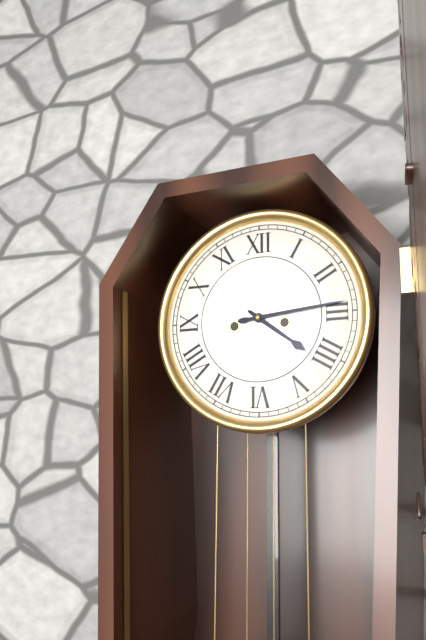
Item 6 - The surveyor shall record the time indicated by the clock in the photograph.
4:14
